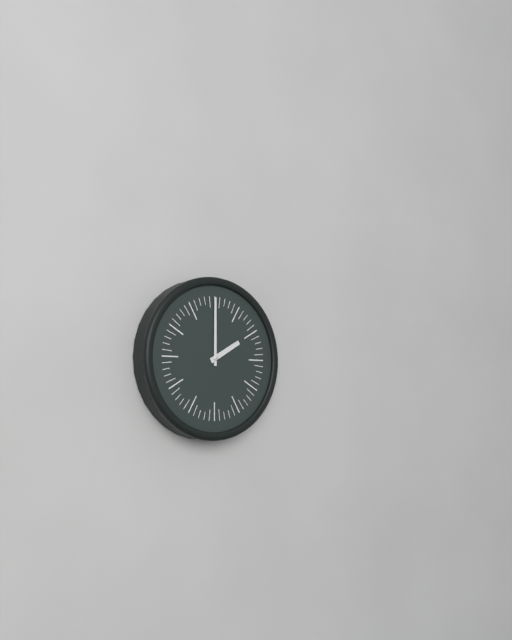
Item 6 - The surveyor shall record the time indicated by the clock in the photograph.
2:00
